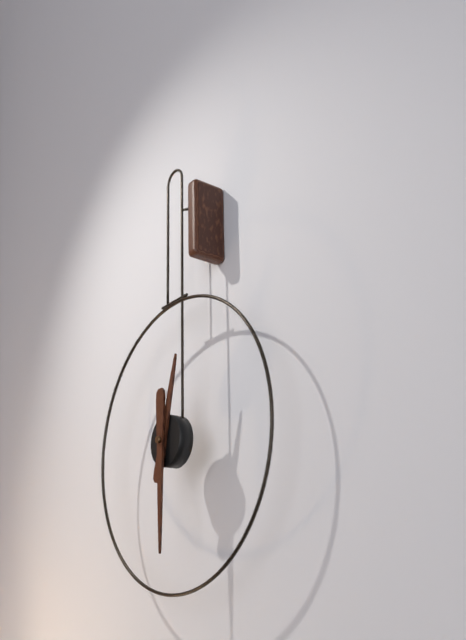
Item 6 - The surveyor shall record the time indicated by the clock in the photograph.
12:30
